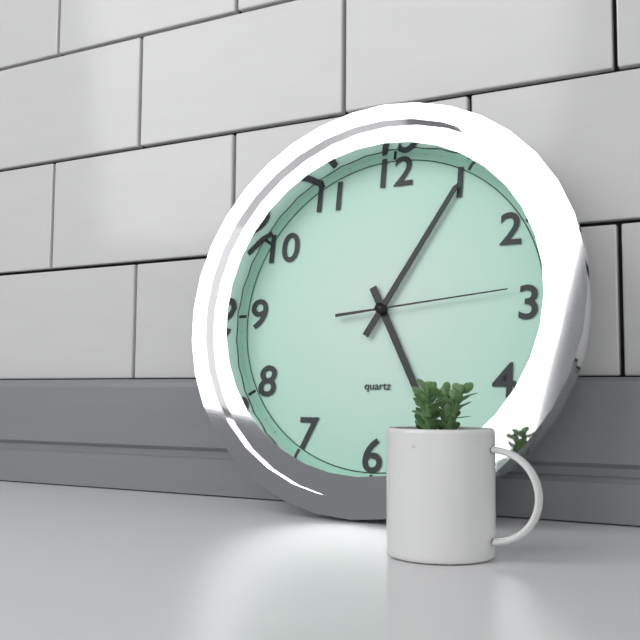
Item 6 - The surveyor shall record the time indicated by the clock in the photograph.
5:05:14
